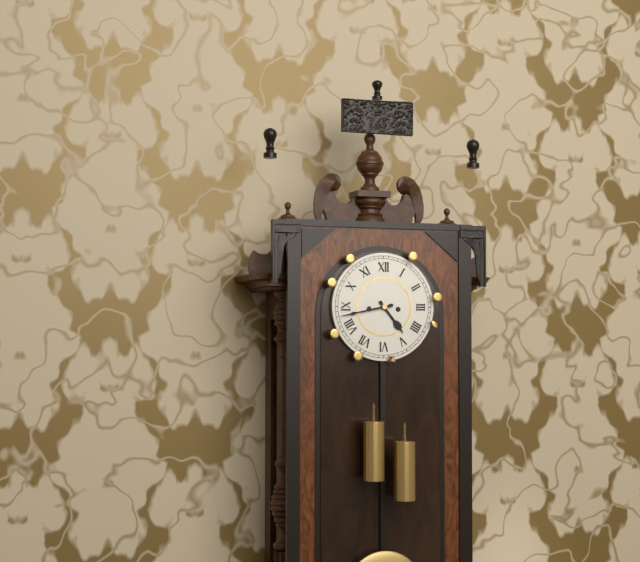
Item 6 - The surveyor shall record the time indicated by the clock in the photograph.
4:43
